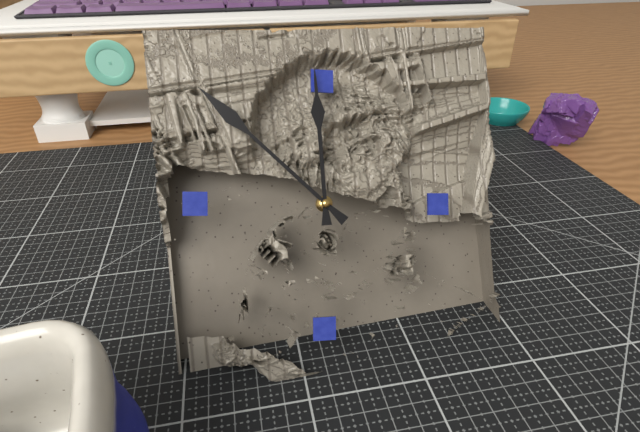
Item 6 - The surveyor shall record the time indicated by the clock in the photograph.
11:52
